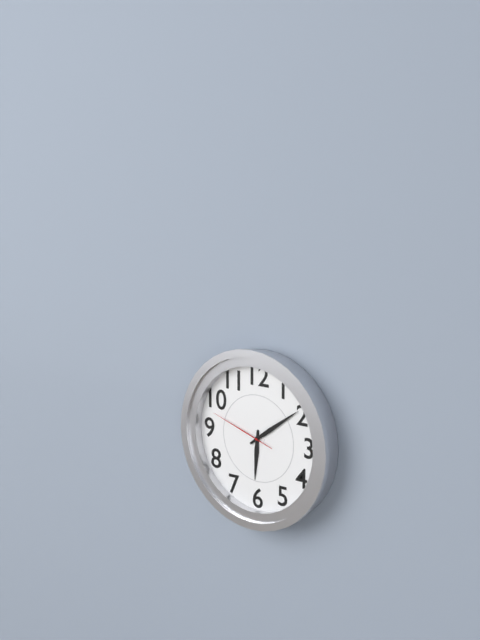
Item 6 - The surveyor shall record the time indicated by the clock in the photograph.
6:09:48
